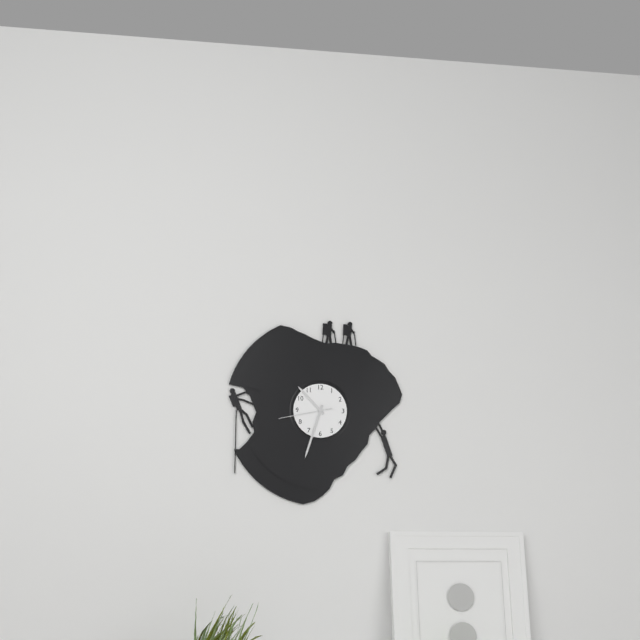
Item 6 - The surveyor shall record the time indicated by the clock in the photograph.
10:33:43
